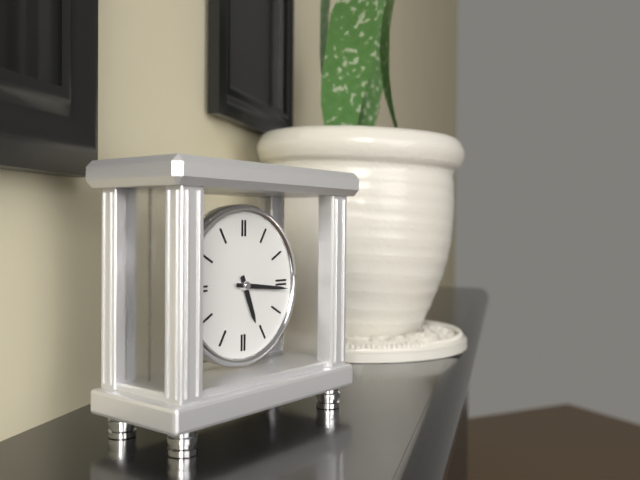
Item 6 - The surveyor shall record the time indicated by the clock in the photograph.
5:16
